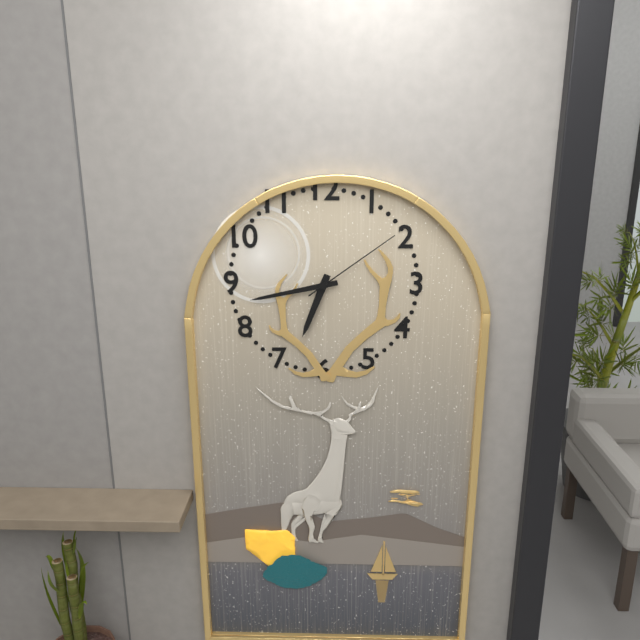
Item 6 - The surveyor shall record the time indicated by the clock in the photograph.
6:43:09
